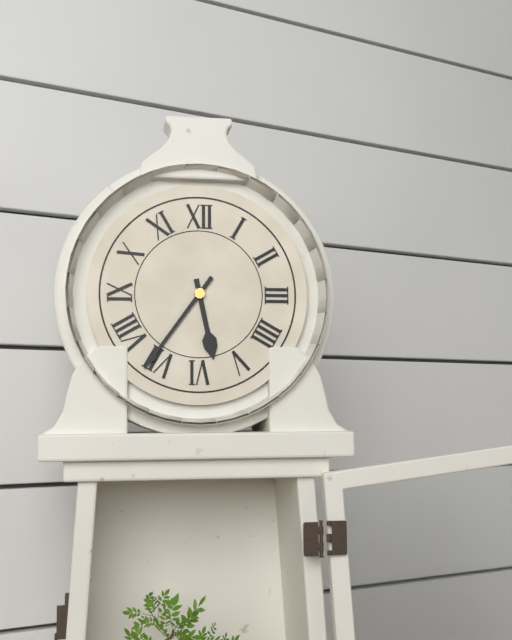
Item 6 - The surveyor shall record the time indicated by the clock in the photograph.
5:36
